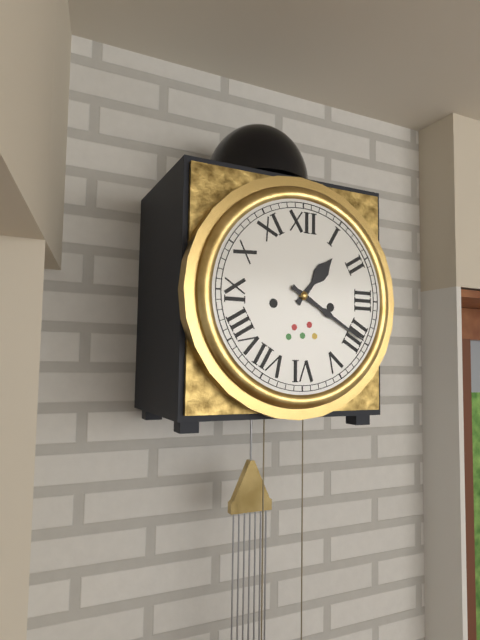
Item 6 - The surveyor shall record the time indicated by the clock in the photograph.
1:20
